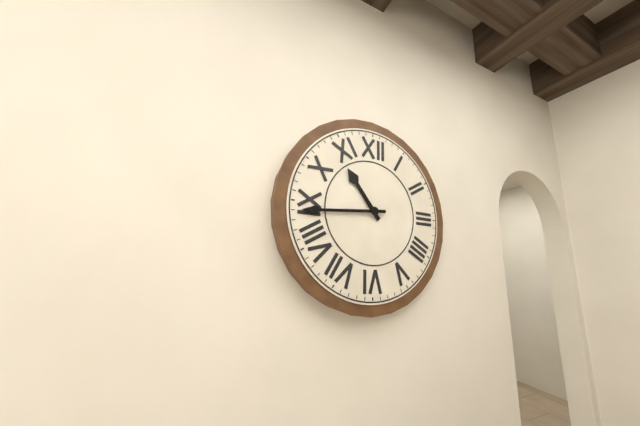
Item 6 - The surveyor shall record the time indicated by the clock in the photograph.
10:44
